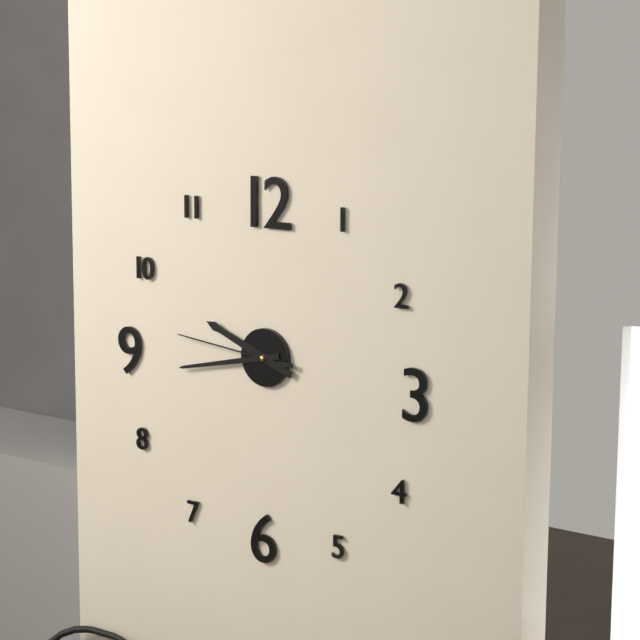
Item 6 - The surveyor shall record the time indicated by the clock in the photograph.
9:43:46
